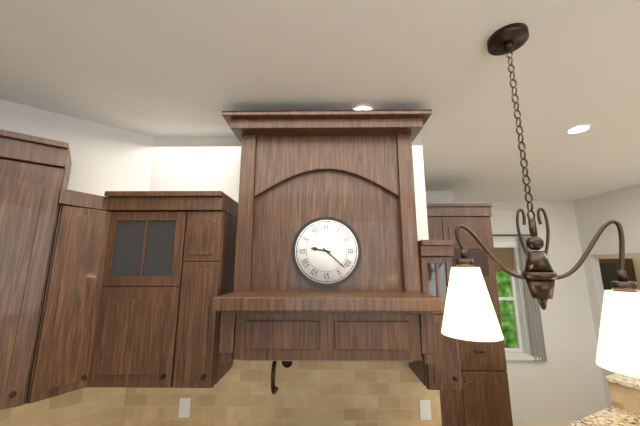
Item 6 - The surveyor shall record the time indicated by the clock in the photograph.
9:22
